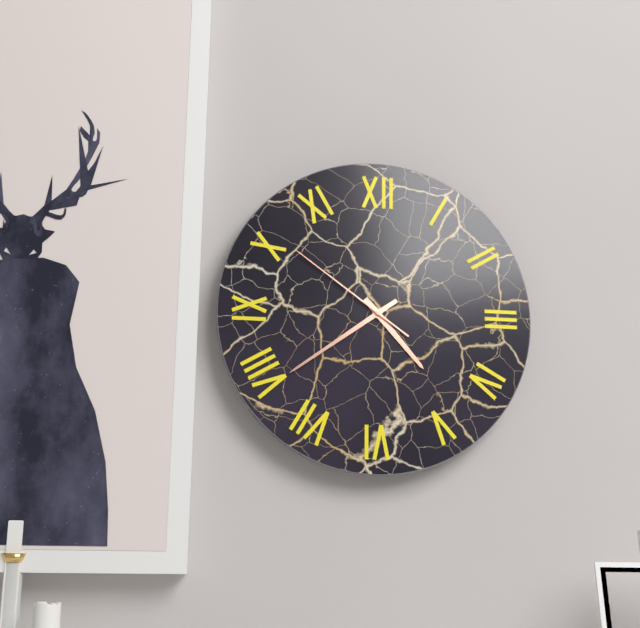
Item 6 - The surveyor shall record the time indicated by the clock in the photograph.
4:39:51
